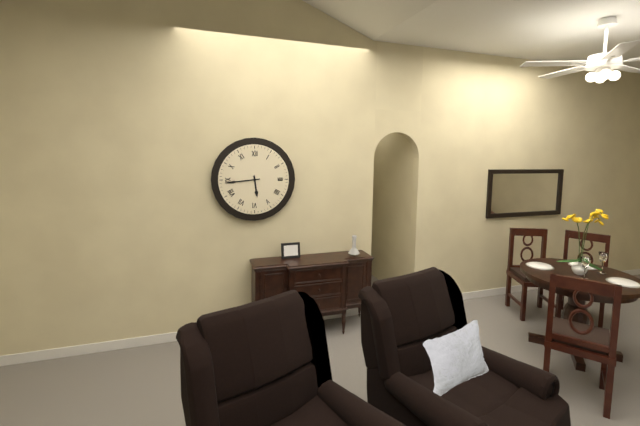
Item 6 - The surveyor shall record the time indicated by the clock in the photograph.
5:44
